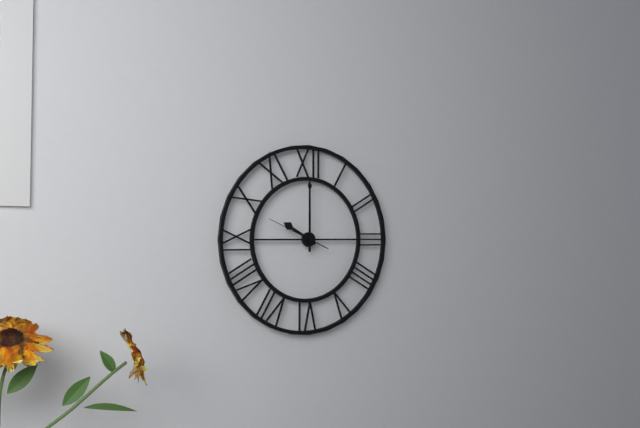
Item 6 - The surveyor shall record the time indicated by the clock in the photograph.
10:00:49
